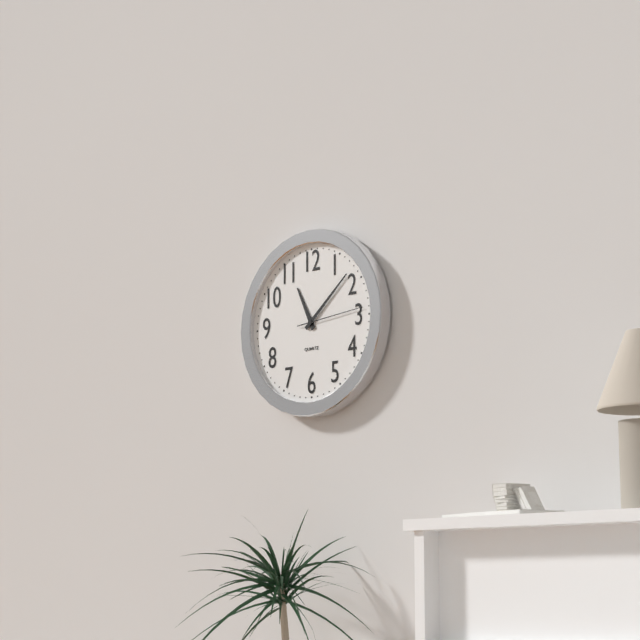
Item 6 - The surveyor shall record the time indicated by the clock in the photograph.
11:08:14
